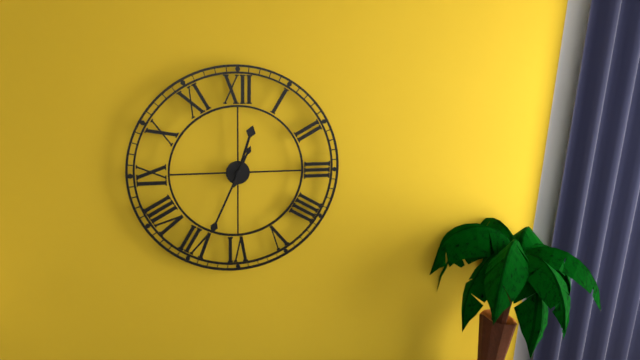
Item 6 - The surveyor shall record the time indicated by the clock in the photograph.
12:34
